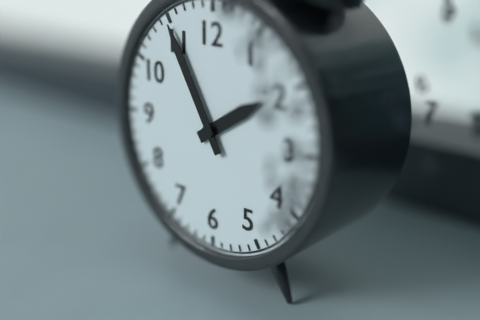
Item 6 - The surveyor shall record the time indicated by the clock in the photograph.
1:55
